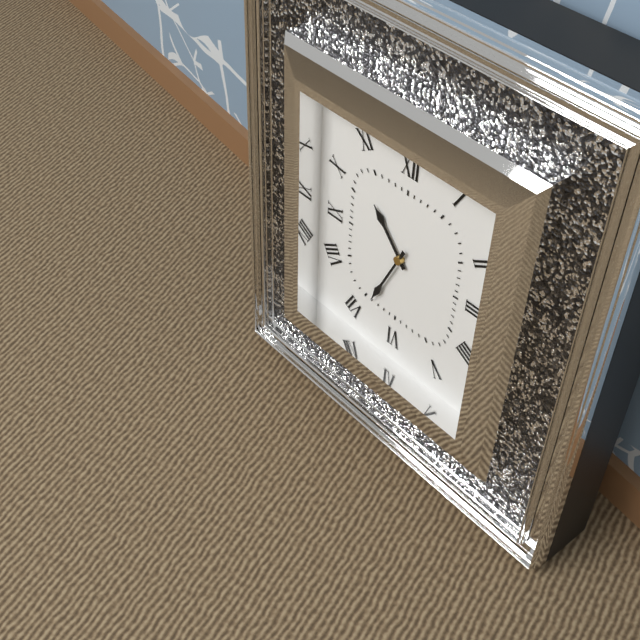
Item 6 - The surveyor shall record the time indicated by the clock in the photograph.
10:34
